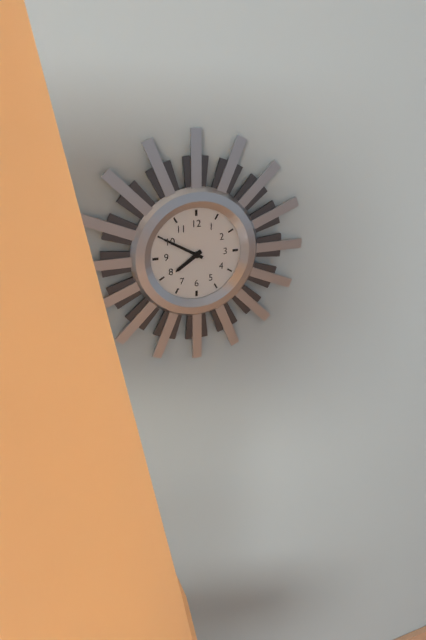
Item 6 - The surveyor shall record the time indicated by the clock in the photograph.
7:50
